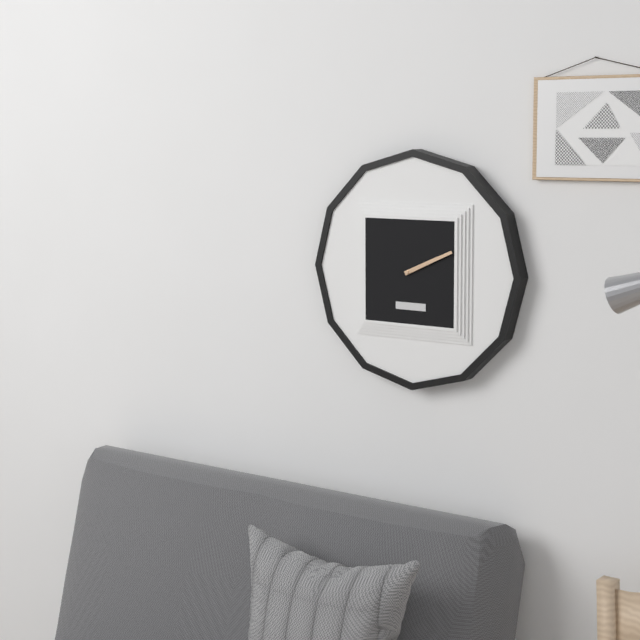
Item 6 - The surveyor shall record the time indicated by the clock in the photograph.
2:11
